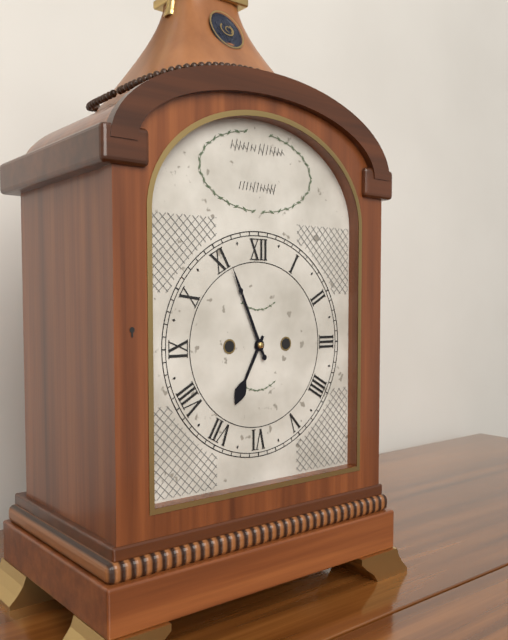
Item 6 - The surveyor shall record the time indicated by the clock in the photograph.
6:56
